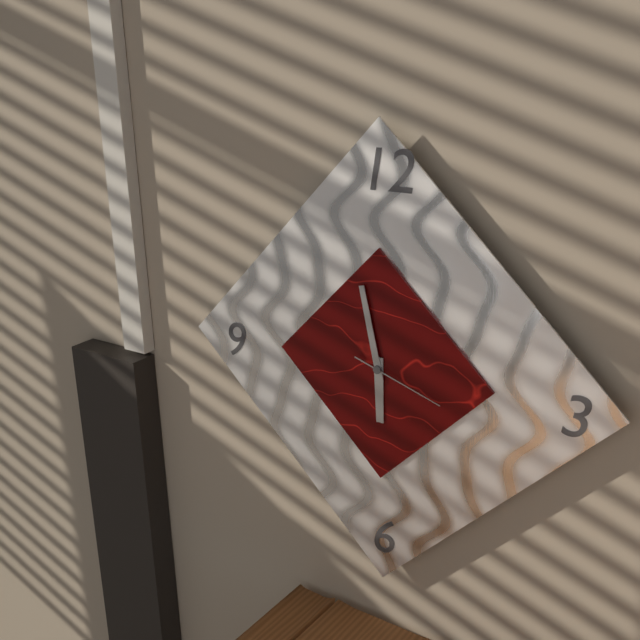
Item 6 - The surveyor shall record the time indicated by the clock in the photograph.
5:58:18
